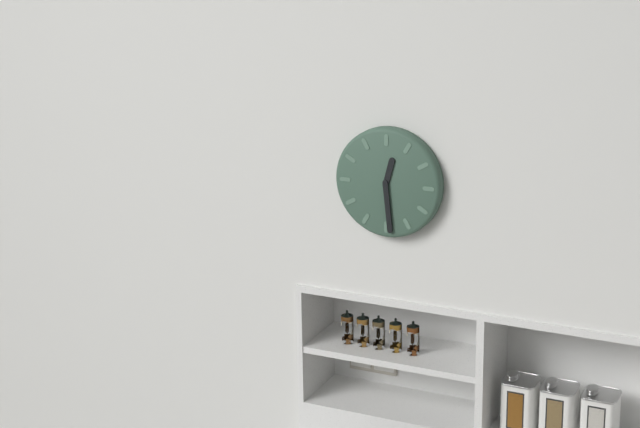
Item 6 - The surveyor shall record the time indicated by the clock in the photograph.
12:29
